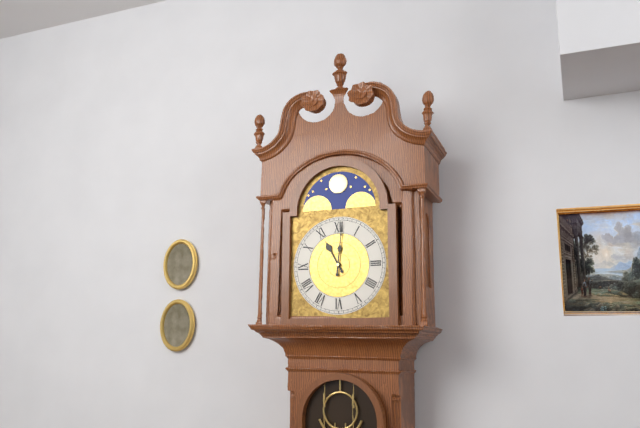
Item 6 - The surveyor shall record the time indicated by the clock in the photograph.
11:01
